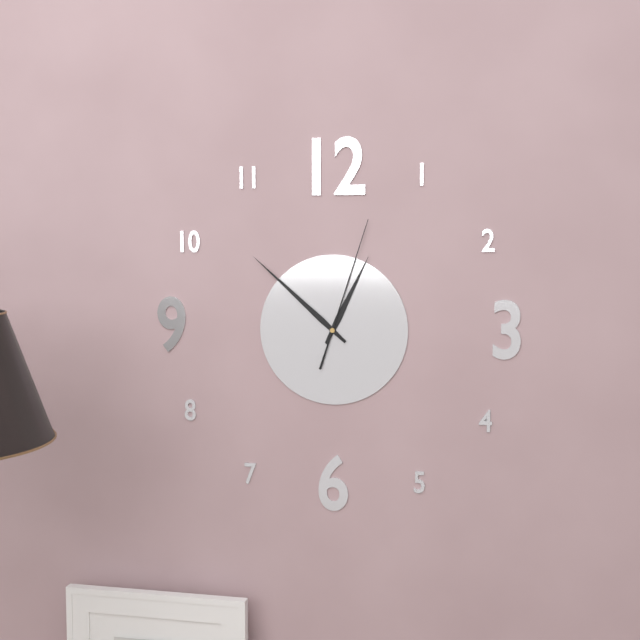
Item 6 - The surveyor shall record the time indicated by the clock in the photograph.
12:52:03
